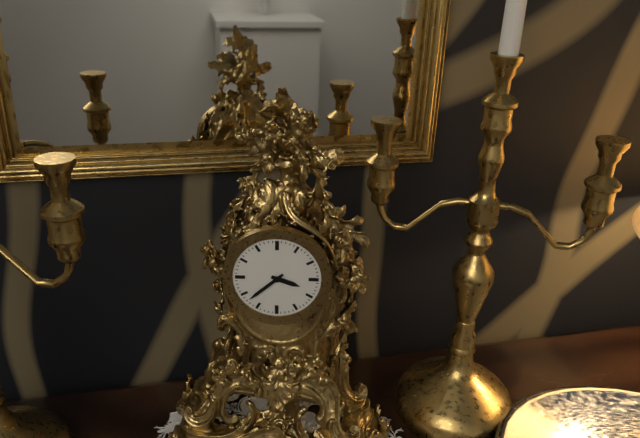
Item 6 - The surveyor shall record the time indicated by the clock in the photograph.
3:38
